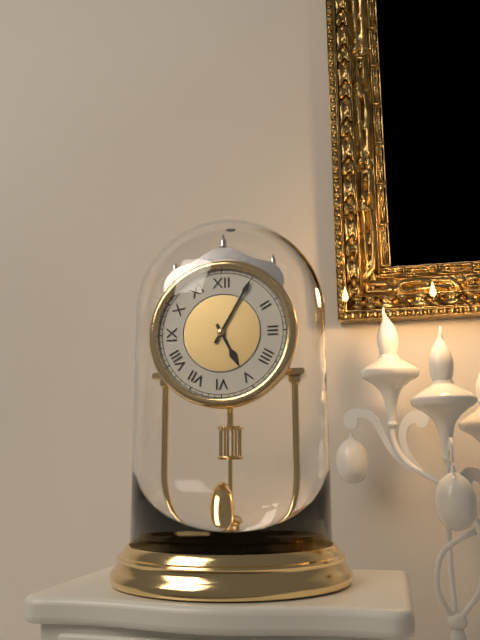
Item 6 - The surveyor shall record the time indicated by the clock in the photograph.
5:05
